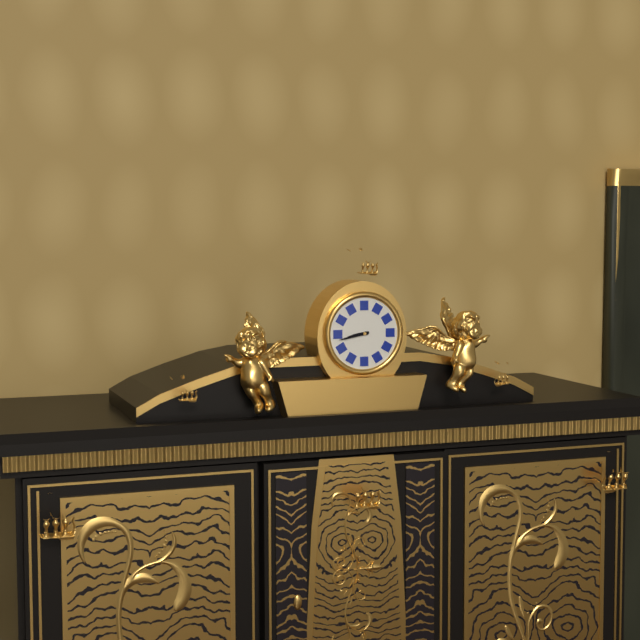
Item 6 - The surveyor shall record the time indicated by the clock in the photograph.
8:43
